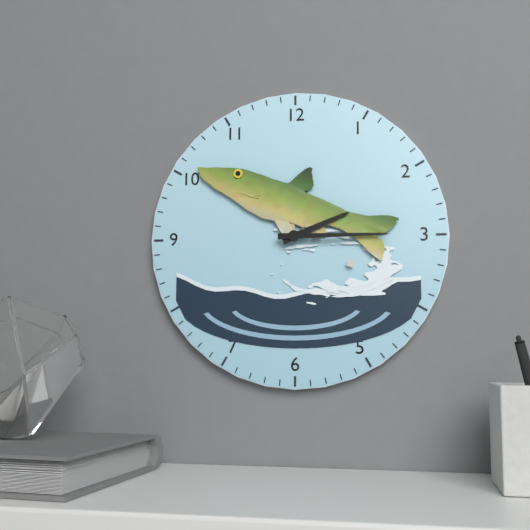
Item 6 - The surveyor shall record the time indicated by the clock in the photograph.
2:15
